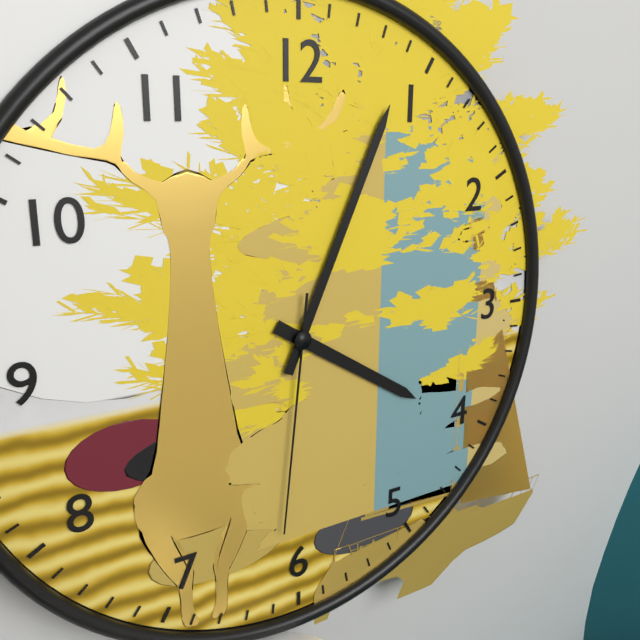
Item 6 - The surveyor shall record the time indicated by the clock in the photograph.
4:04:31
